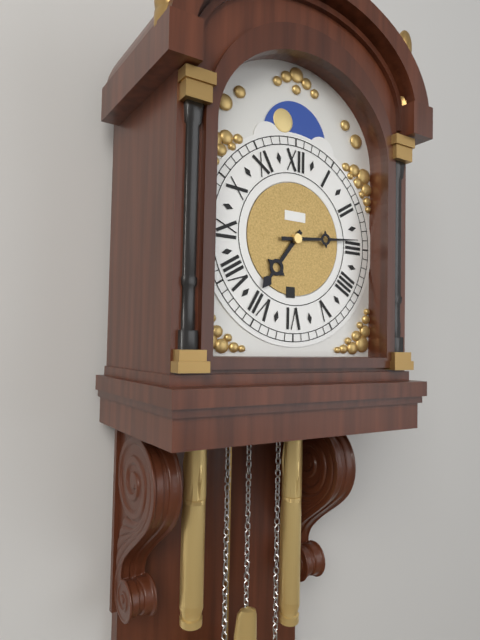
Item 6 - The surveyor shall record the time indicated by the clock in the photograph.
7:14
